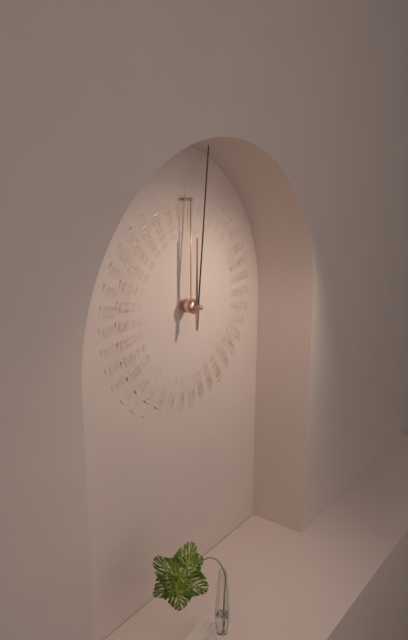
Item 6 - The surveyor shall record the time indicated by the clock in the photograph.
12:01
